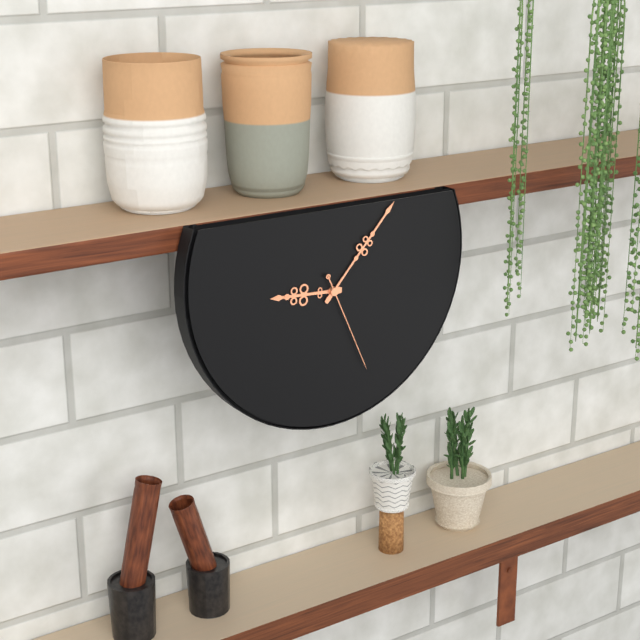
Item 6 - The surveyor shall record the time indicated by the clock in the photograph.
9:07:26
